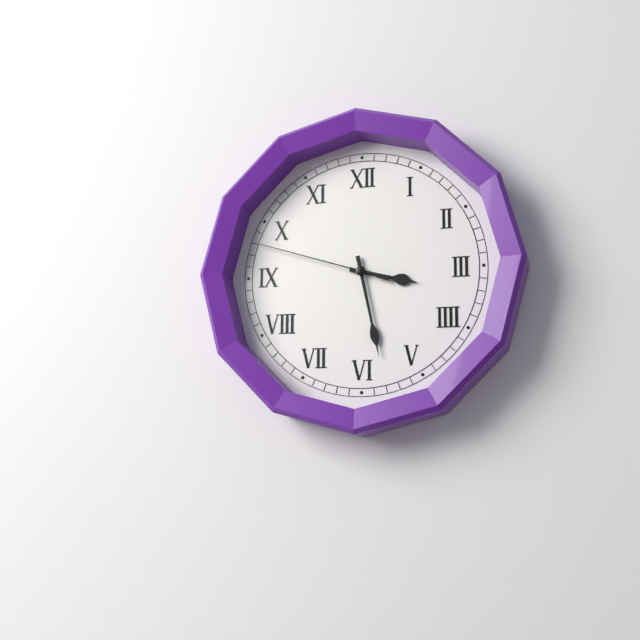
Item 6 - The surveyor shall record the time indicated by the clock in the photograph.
3:28:48
